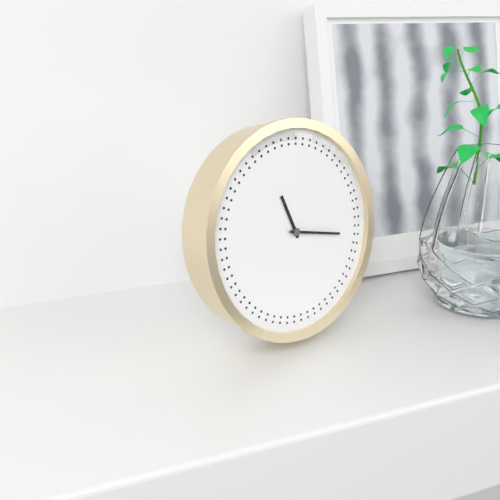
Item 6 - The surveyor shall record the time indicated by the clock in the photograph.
11:17
